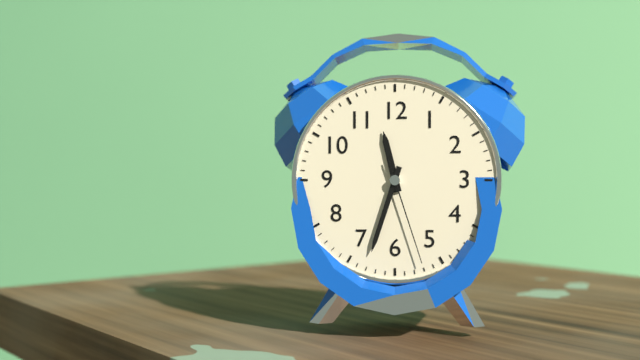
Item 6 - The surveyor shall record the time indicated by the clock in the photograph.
11:33:27
